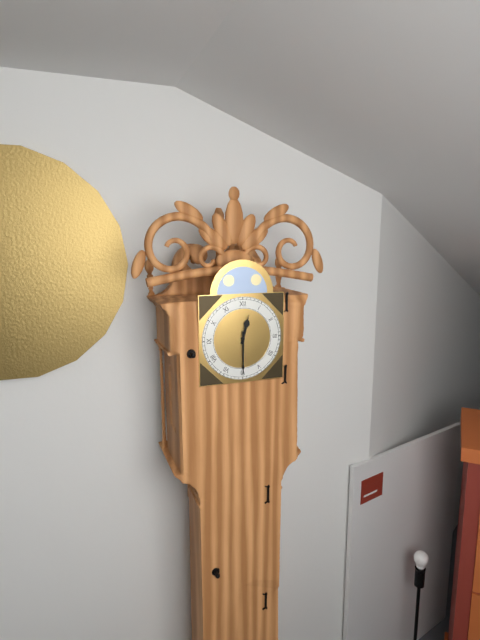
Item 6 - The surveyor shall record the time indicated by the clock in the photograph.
12:30
